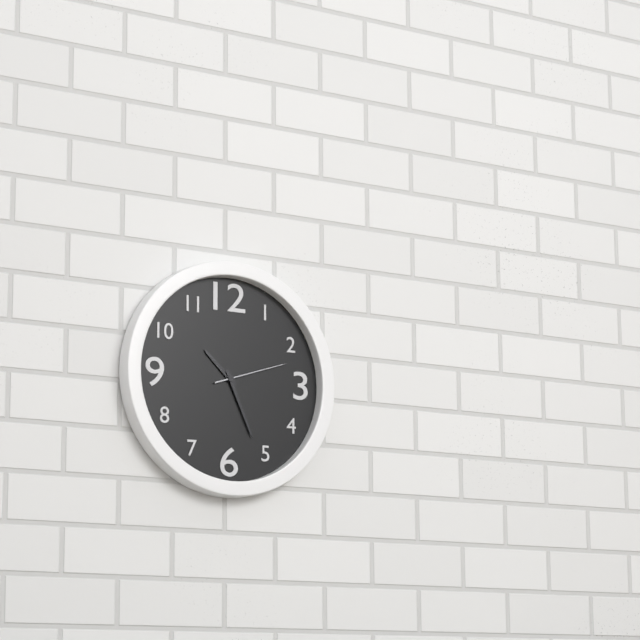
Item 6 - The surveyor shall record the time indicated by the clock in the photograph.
10:26:12
